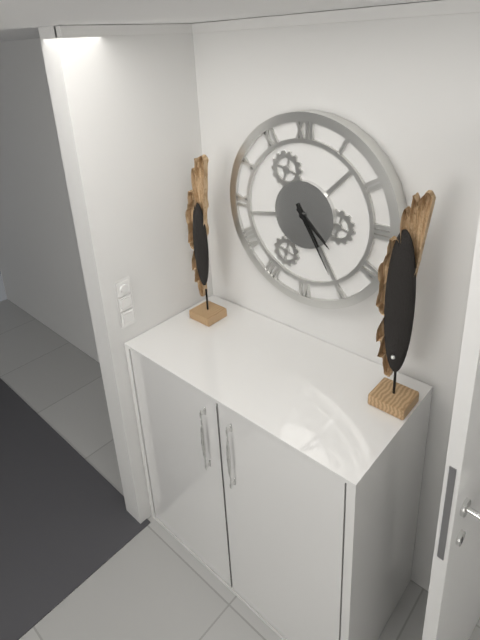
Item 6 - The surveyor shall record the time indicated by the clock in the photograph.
4:25
